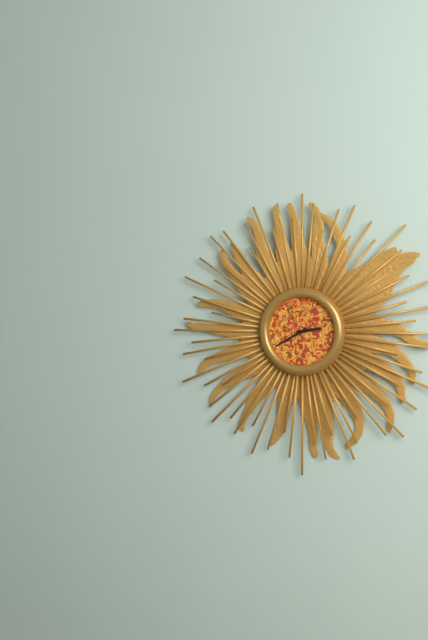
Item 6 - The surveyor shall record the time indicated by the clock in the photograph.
2:40
